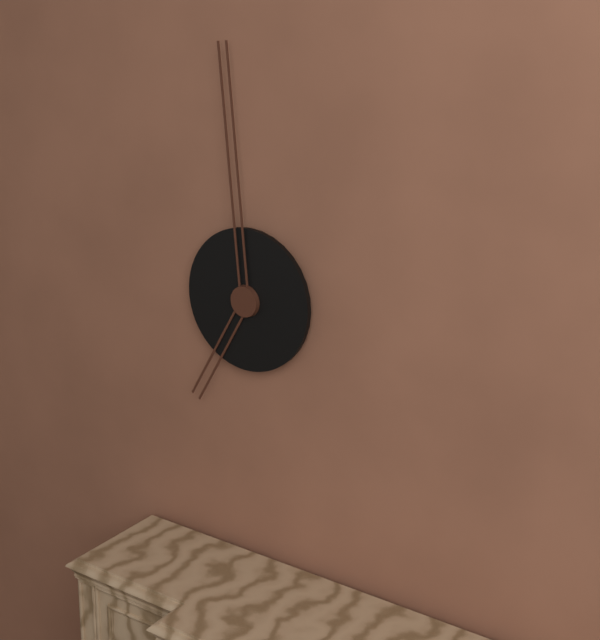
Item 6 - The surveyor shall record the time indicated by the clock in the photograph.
6:59
